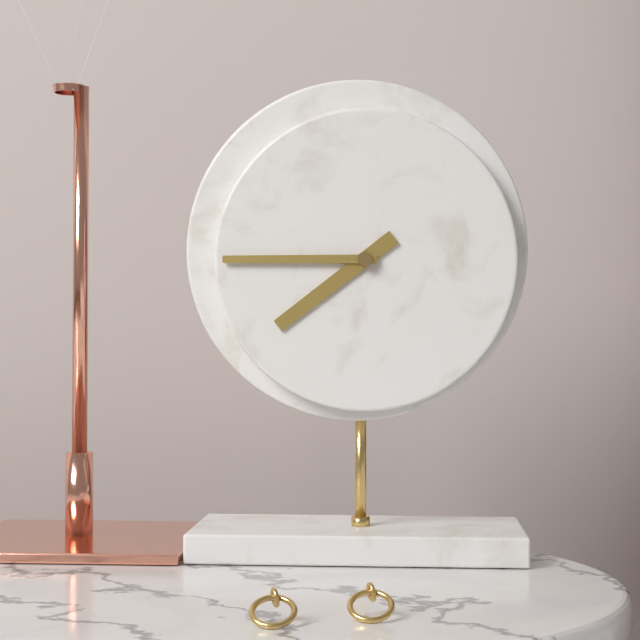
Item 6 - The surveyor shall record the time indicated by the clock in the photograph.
7:45
